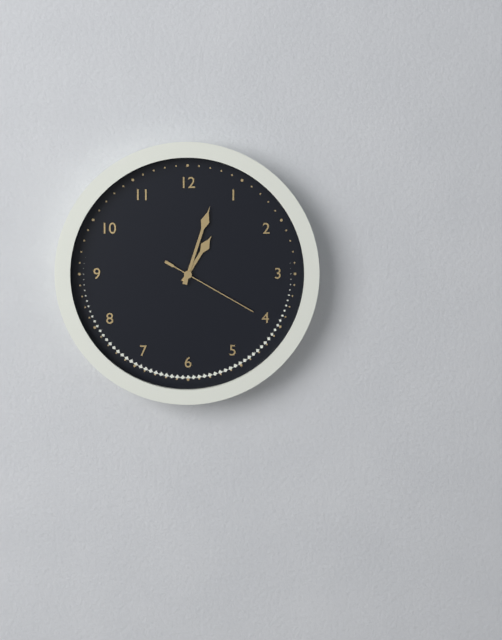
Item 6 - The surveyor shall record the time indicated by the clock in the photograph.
1:03:20
